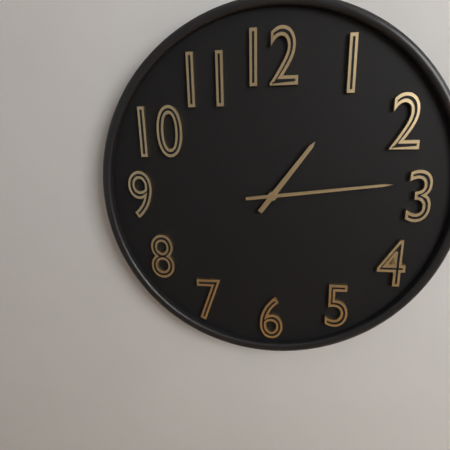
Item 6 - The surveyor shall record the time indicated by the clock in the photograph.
1:14
